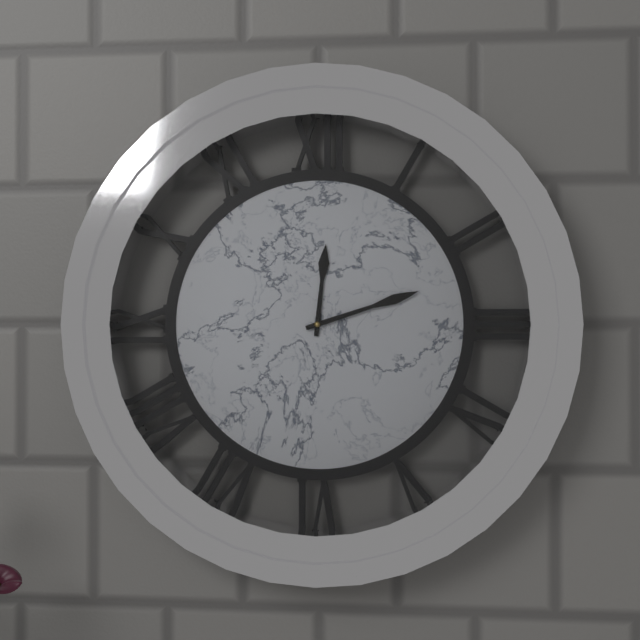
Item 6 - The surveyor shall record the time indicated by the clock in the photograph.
12:12
